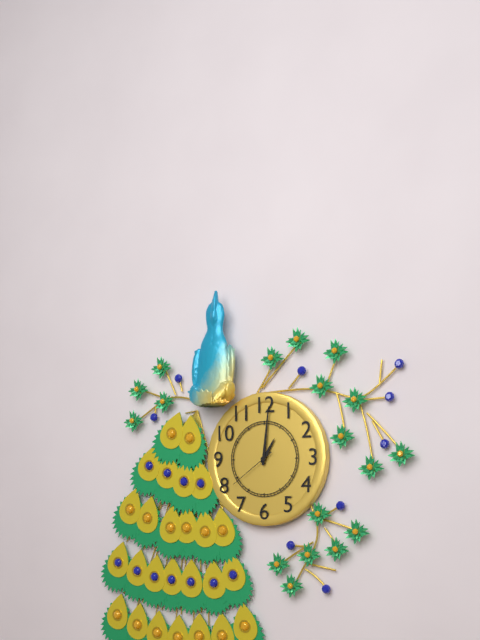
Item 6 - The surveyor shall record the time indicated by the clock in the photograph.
1:01:39
